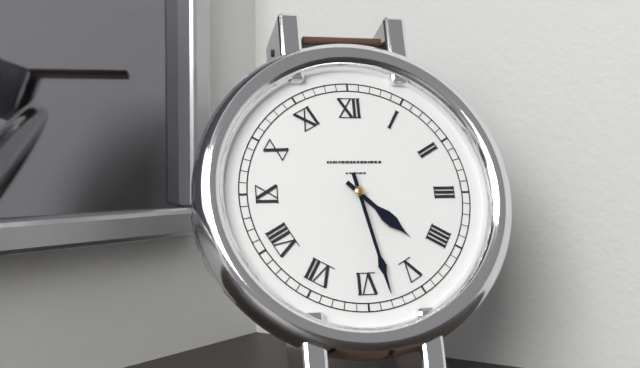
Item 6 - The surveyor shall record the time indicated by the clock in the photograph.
4:28
